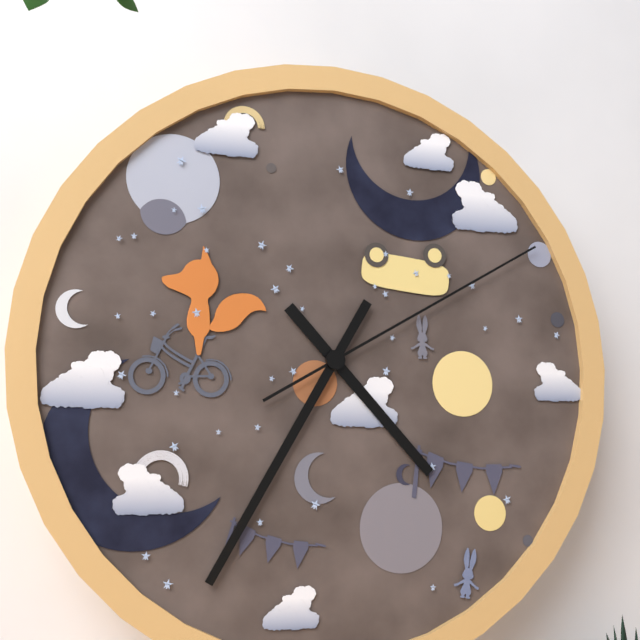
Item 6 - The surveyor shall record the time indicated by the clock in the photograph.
4:35:10
